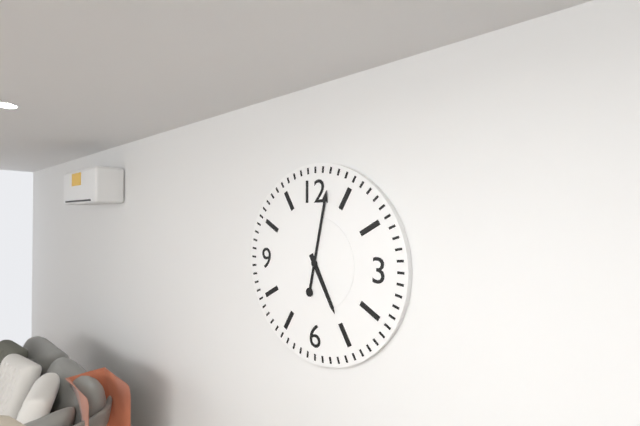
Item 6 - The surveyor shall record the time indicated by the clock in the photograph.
5:02
